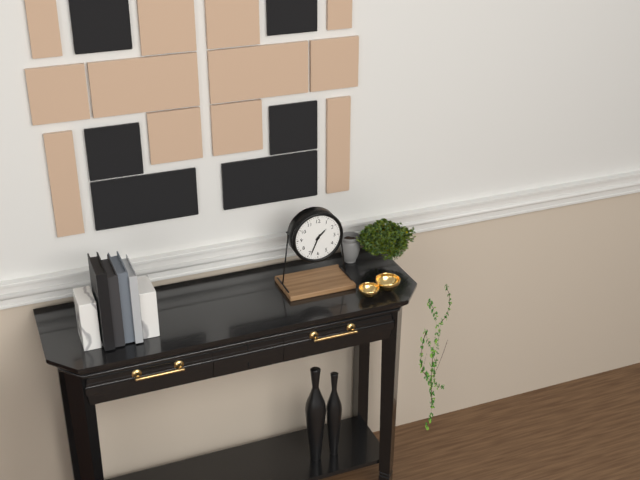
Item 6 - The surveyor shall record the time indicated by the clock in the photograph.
1:34
